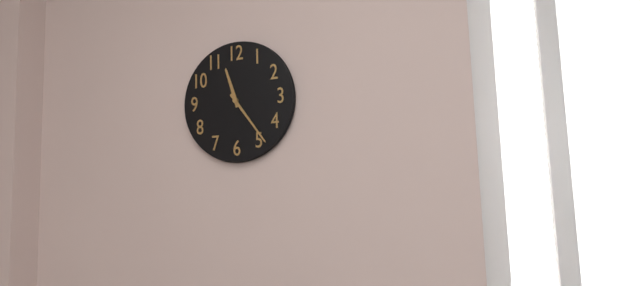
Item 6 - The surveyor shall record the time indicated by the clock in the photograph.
11:24
